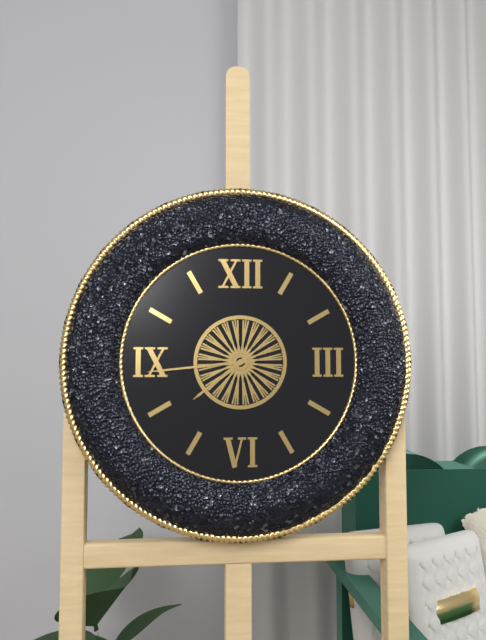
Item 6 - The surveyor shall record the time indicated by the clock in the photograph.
7:44
